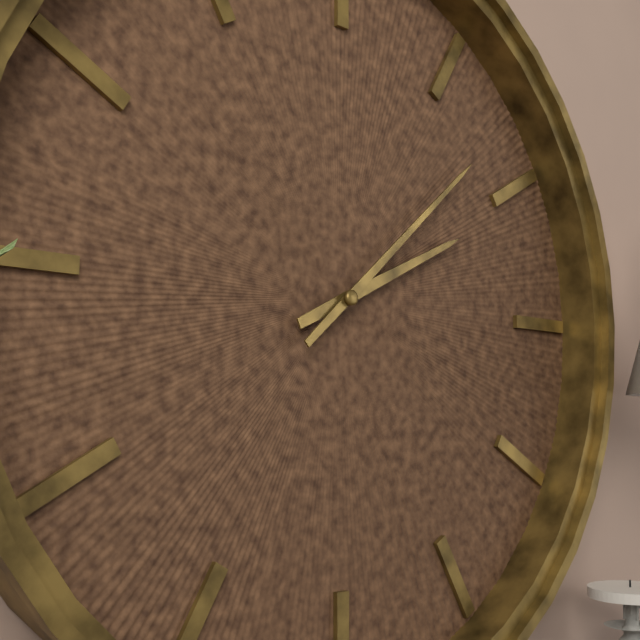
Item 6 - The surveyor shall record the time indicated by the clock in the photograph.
2:08
